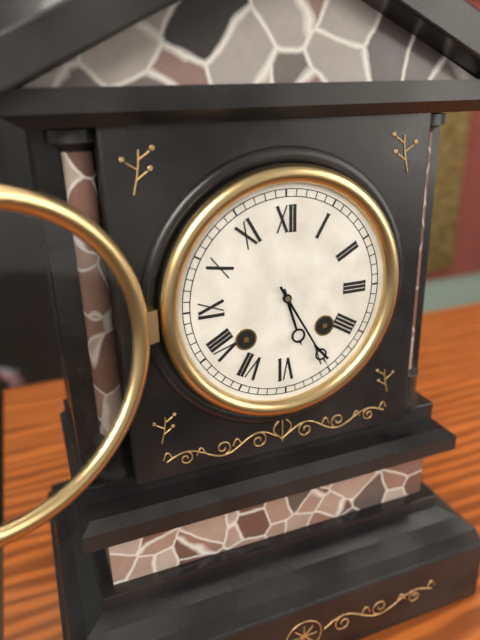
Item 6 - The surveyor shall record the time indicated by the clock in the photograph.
5:25
